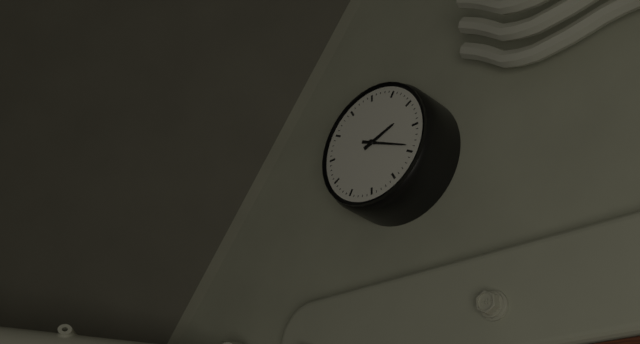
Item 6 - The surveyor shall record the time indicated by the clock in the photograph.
2:19
